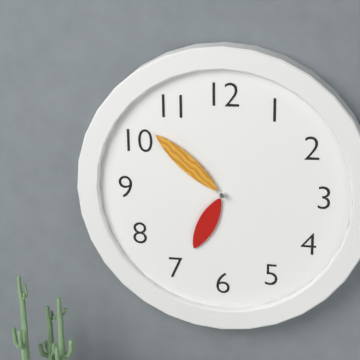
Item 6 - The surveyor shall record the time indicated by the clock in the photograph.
6:52
